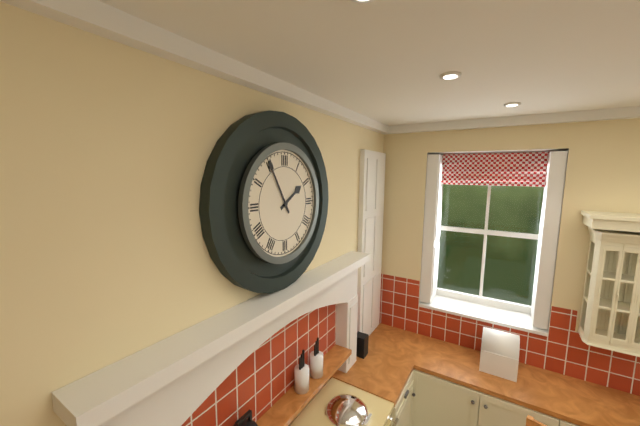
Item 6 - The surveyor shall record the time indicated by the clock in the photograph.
1:55
